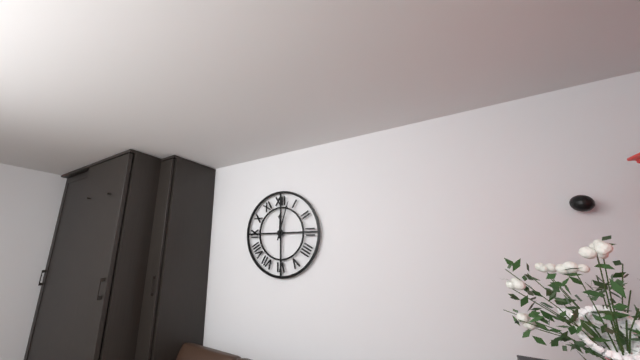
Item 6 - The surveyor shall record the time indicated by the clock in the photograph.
12:03
